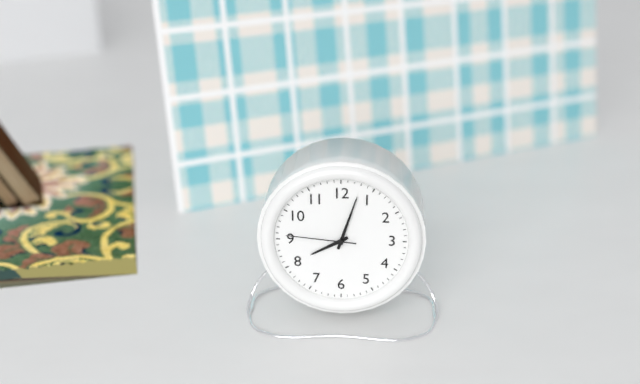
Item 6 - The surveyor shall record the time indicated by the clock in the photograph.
8:03:46
